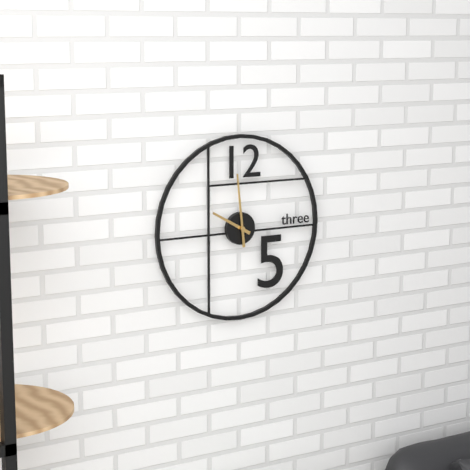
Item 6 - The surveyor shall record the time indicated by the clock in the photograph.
9:59
